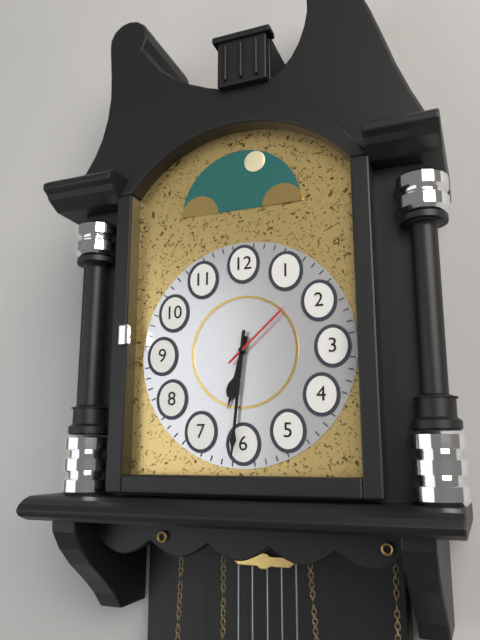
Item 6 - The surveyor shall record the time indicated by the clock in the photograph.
6:31:08
